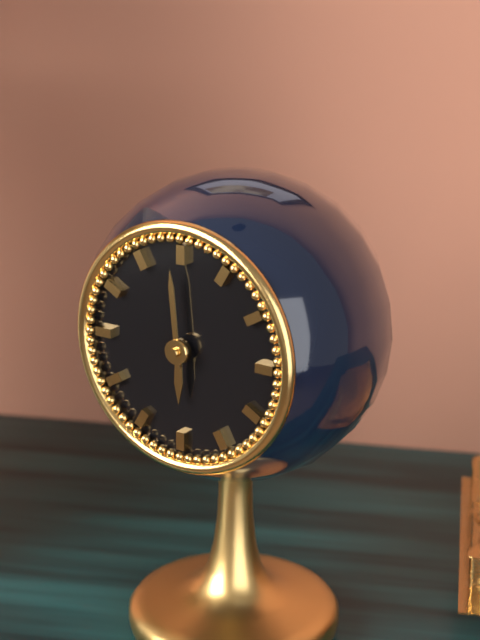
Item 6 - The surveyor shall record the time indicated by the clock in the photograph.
5:59
